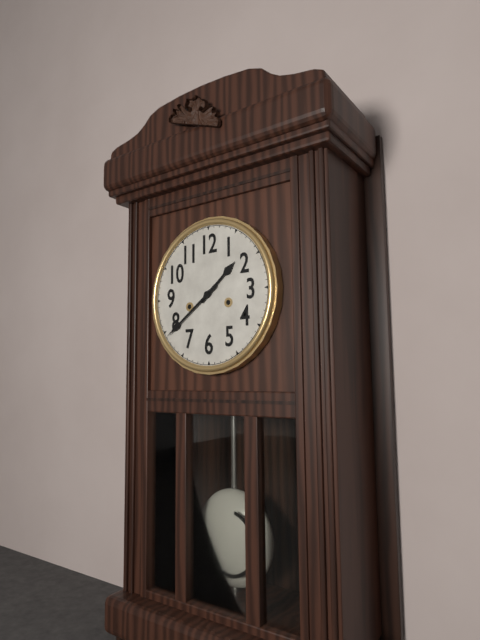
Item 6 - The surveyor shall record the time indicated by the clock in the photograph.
1:39
